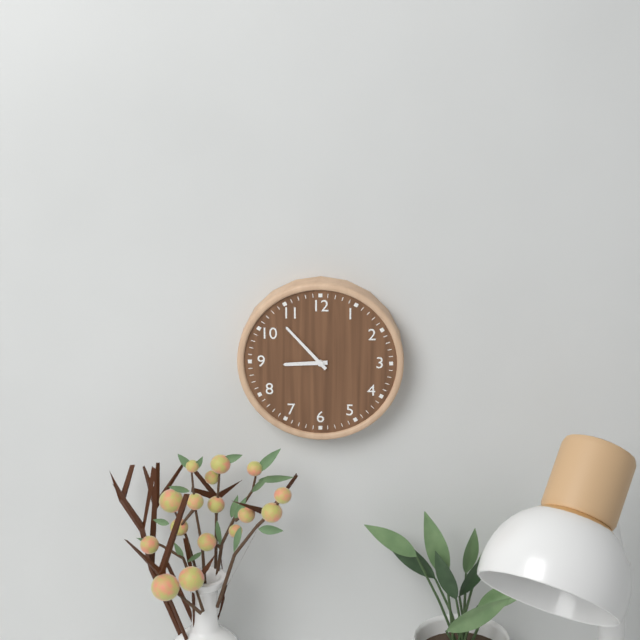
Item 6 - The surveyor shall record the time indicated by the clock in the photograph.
8:53
